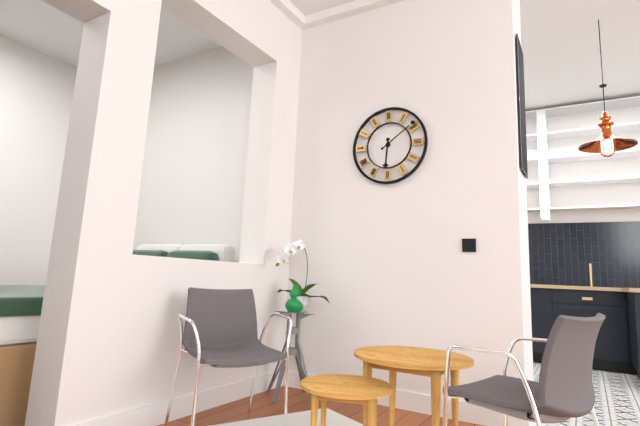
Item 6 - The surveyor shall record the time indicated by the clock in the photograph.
6:09
